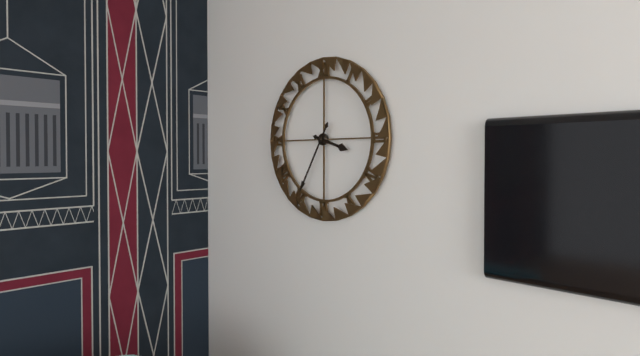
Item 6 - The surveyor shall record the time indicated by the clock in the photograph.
3:35
